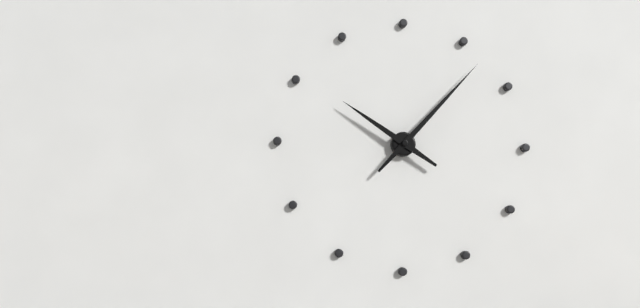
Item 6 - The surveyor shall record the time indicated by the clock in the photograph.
10:07
